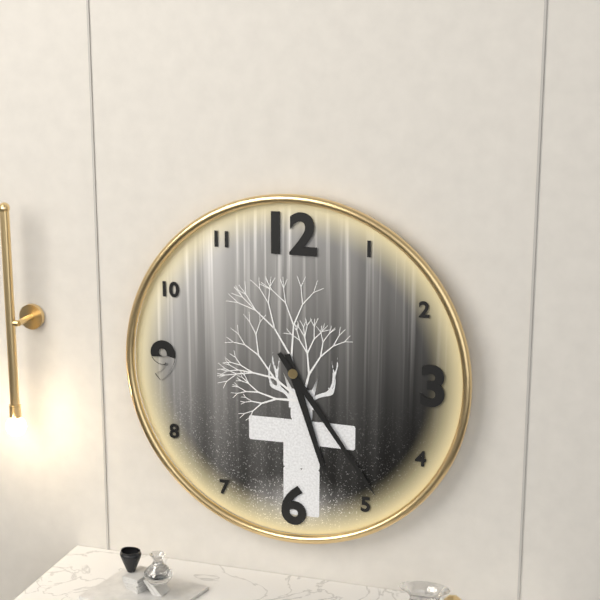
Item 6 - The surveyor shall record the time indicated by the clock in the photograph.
5:24
